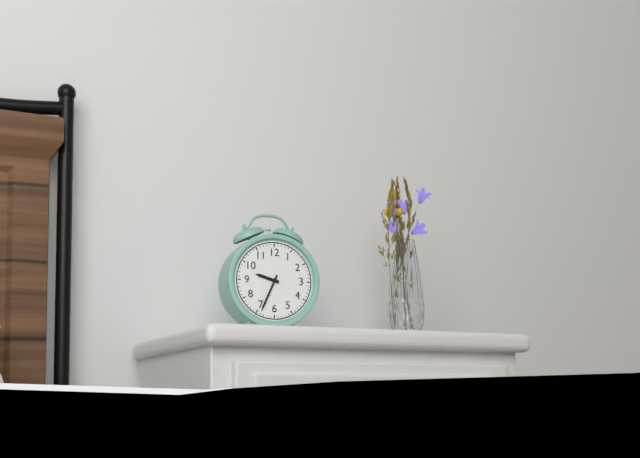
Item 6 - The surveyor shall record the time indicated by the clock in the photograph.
9:34
